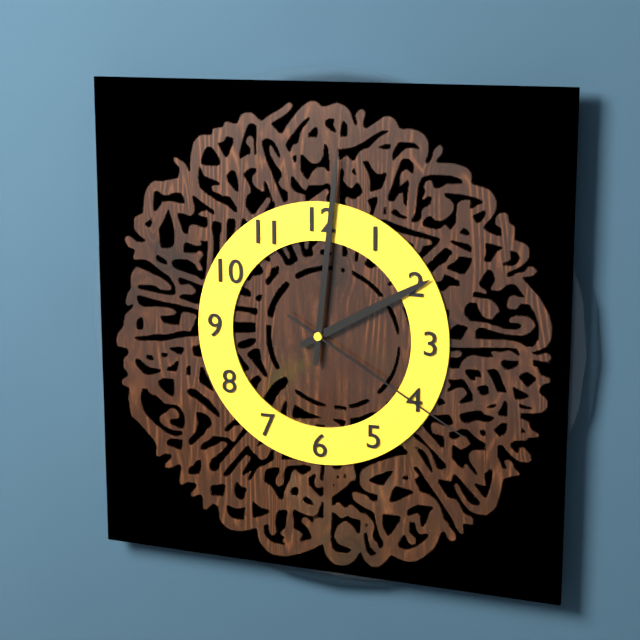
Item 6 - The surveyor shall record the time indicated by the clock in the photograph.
2:01:20
